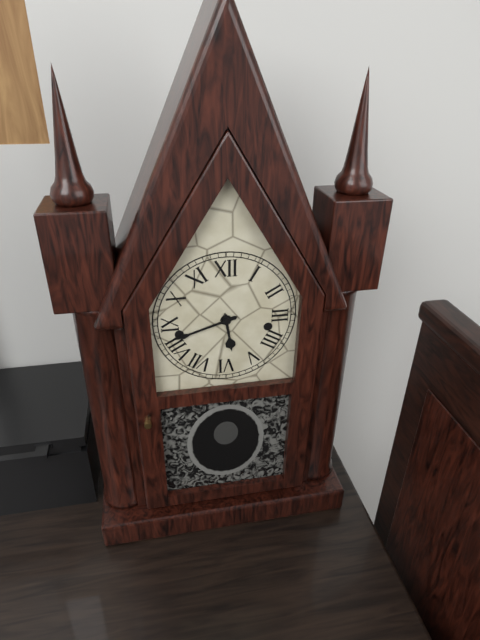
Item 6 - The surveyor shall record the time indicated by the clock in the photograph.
5:42
